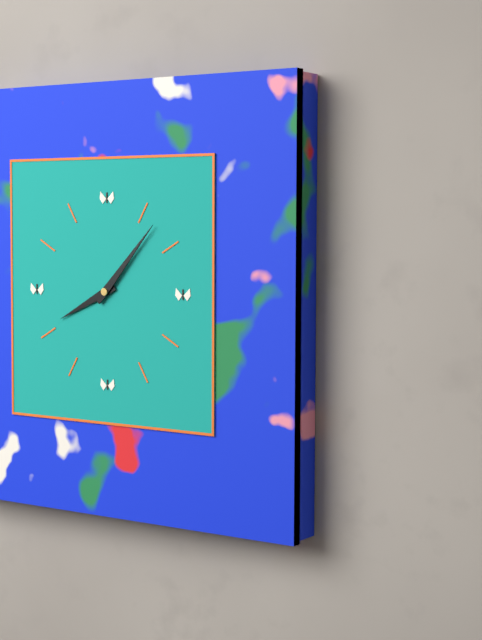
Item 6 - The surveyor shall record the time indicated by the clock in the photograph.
8:07
